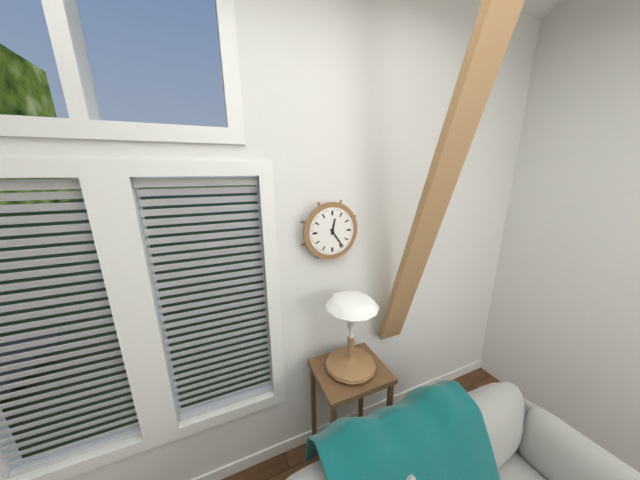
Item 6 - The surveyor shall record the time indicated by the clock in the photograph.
12:24
